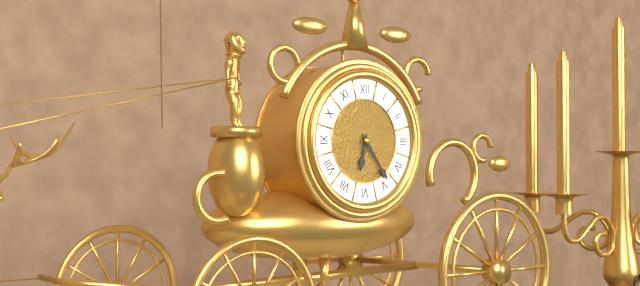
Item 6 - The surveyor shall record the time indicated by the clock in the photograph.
6:24
